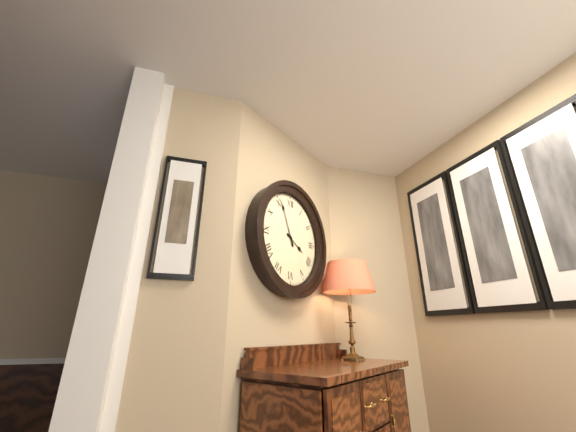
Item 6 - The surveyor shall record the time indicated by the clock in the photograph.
3:56
